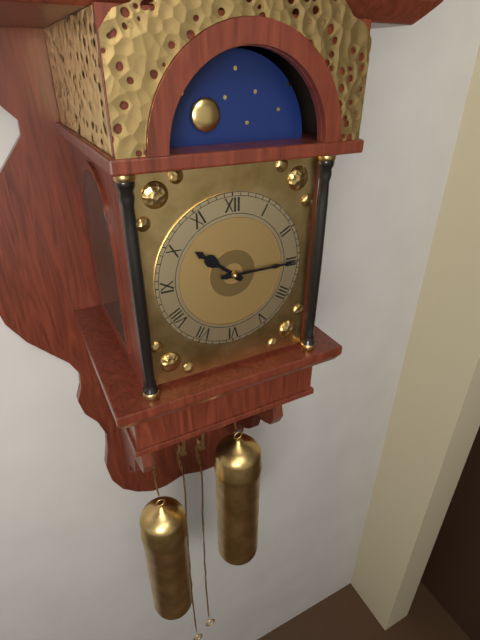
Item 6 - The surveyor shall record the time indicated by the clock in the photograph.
10:15
